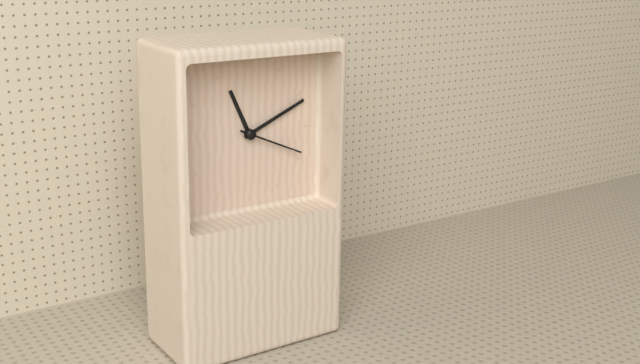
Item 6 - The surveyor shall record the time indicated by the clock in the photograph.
11:11:19
